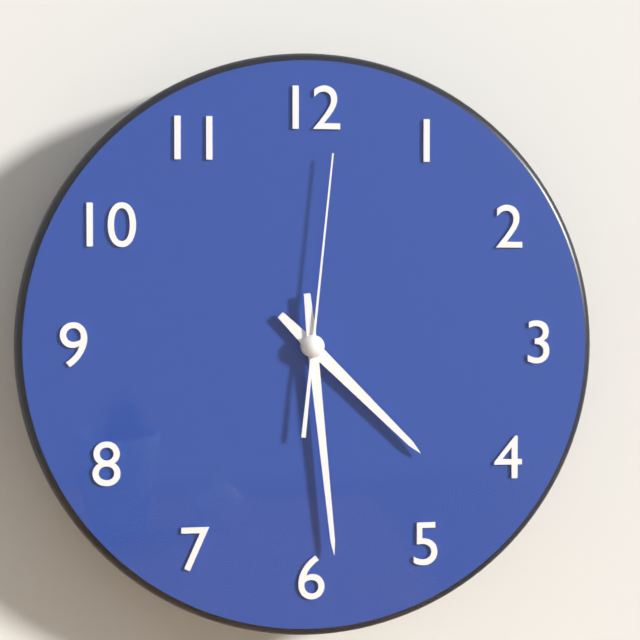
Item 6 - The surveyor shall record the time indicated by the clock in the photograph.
4:29:01
